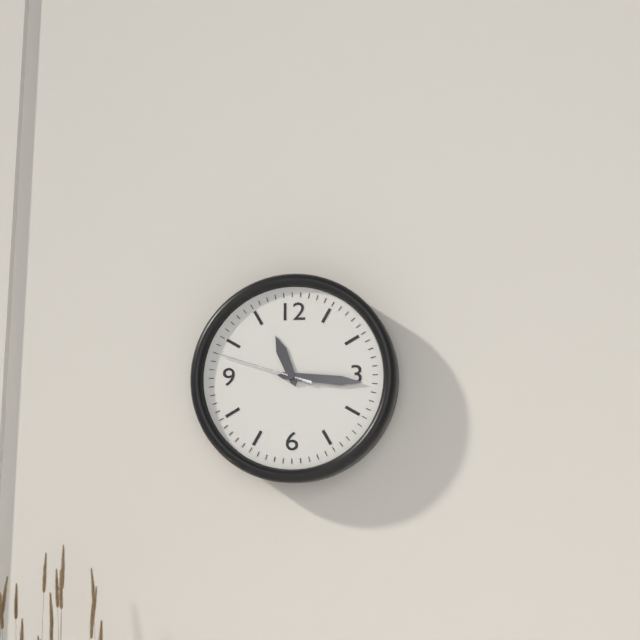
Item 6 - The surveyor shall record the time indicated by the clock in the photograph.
11:16:48
